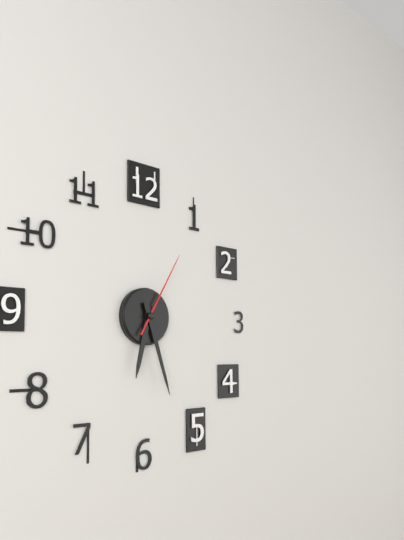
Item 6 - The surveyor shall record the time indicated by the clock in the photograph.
6:27:05
